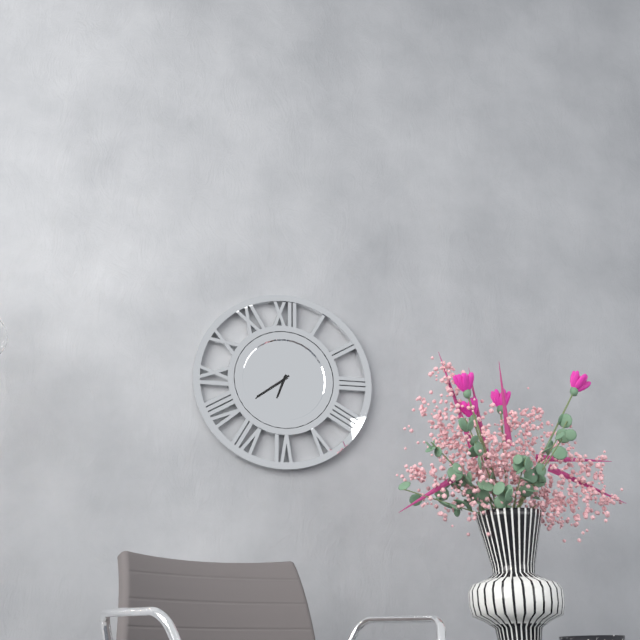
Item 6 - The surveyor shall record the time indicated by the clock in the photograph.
6:39
